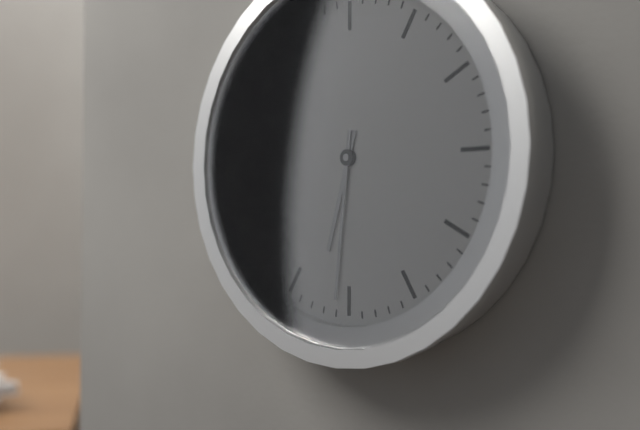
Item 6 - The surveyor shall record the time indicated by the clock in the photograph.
6:31
